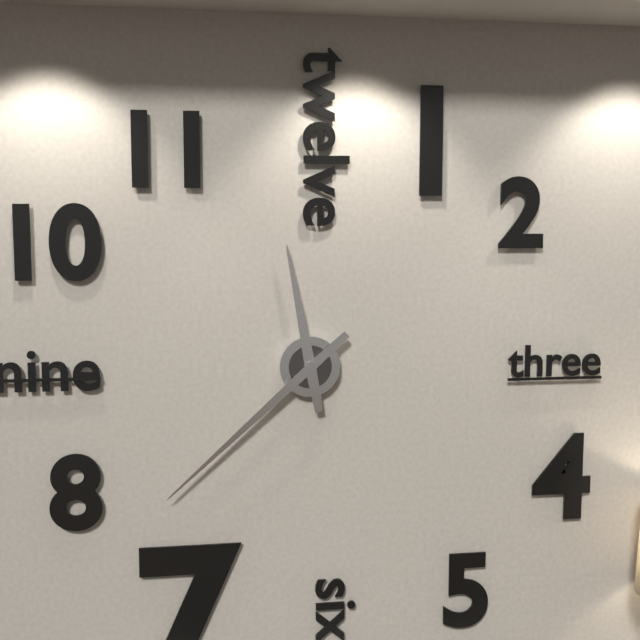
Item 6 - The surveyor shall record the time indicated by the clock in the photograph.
11:38
